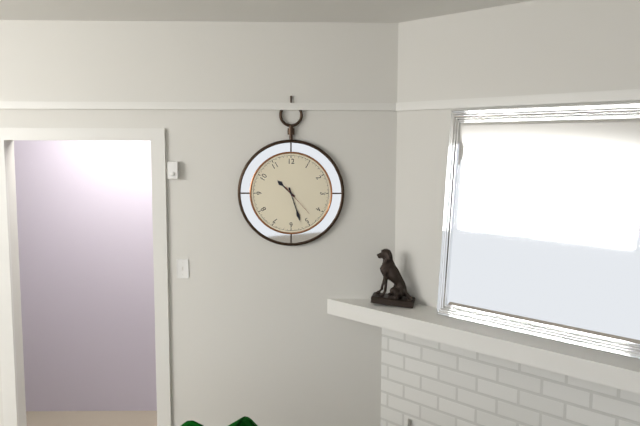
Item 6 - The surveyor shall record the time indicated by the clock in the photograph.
10:27
